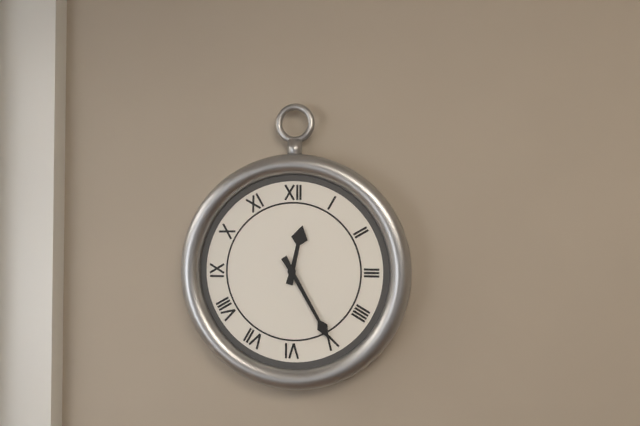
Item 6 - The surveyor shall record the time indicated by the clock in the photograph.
12:25
